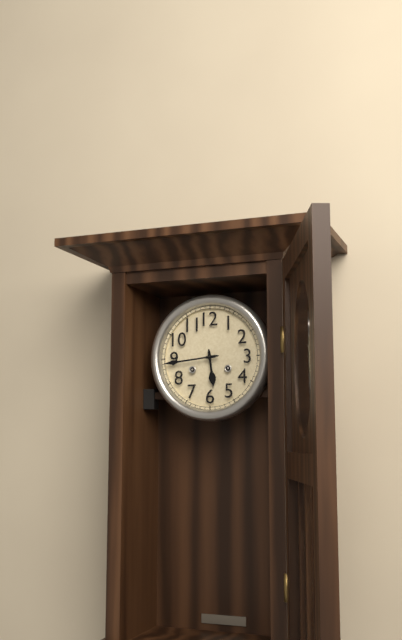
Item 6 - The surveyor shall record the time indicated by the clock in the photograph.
5:44
